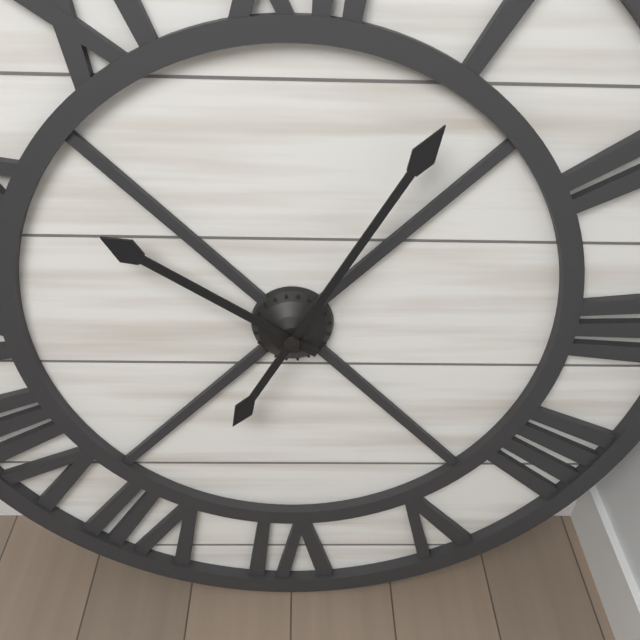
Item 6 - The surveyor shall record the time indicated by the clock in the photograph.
10:05
